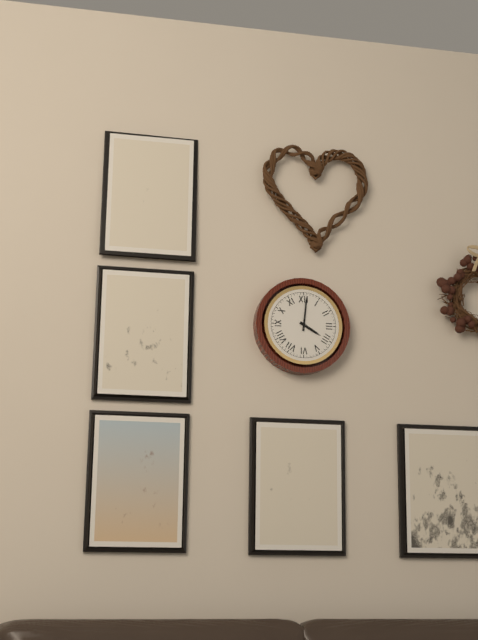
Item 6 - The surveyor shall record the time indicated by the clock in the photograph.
4:01
